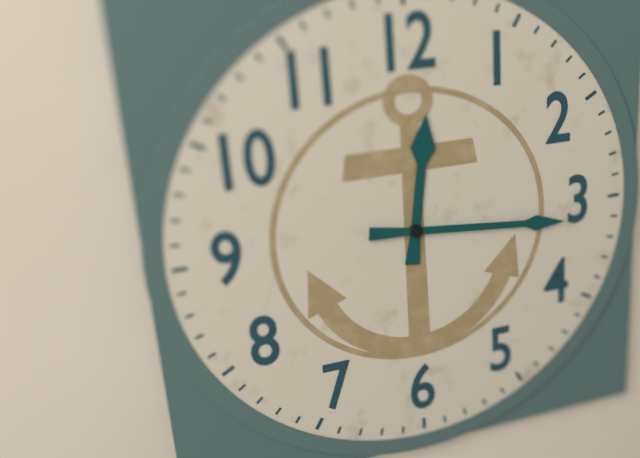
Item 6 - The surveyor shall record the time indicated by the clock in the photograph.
12:16
